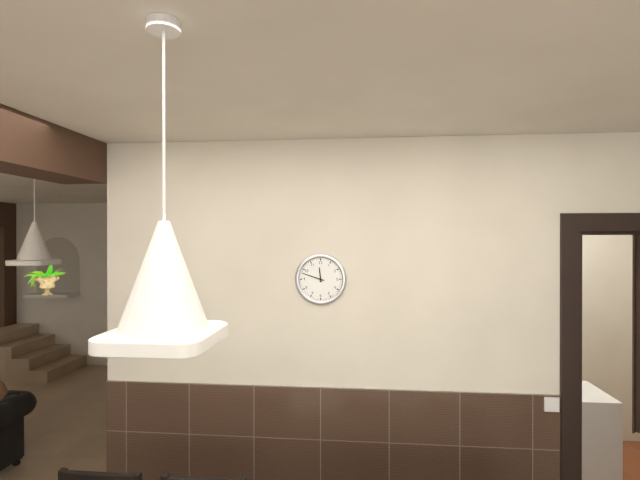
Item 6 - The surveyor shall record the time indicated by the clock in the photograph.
11:48
